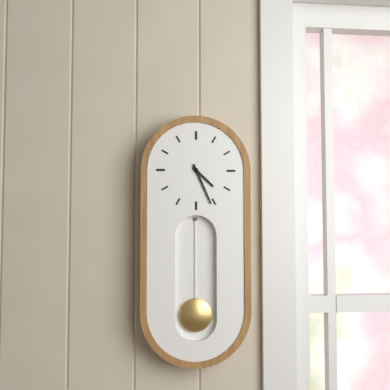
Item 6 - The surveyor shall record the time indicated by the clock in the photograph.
4:26
